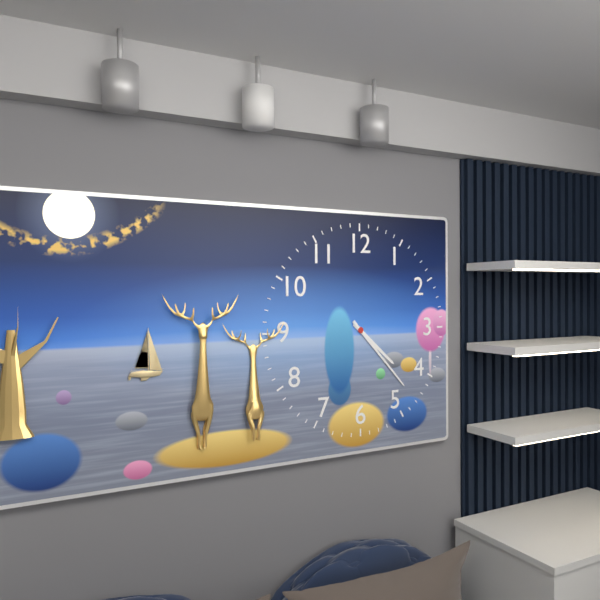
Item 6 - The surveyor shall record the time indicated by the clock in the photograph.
4:23
